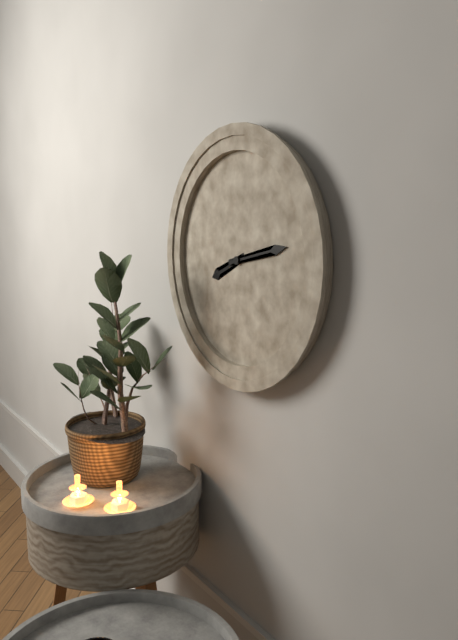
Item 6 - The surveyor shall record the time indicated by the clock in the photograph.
8:13
